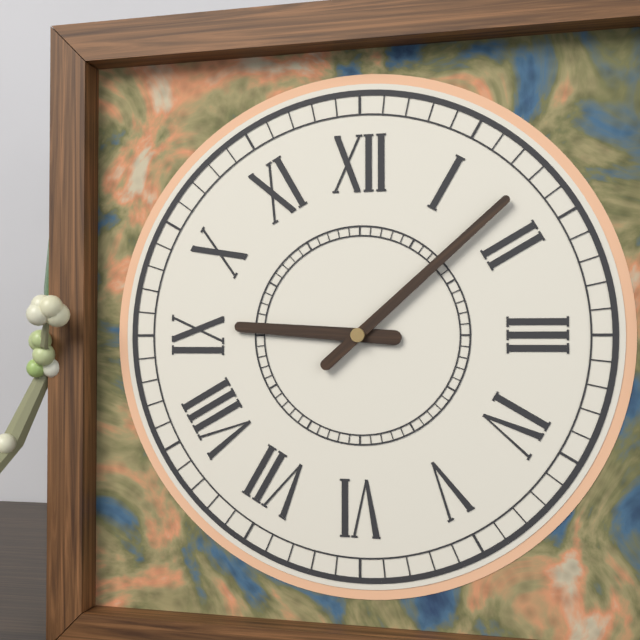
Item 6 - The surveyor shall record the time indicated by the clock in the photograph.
9:08
